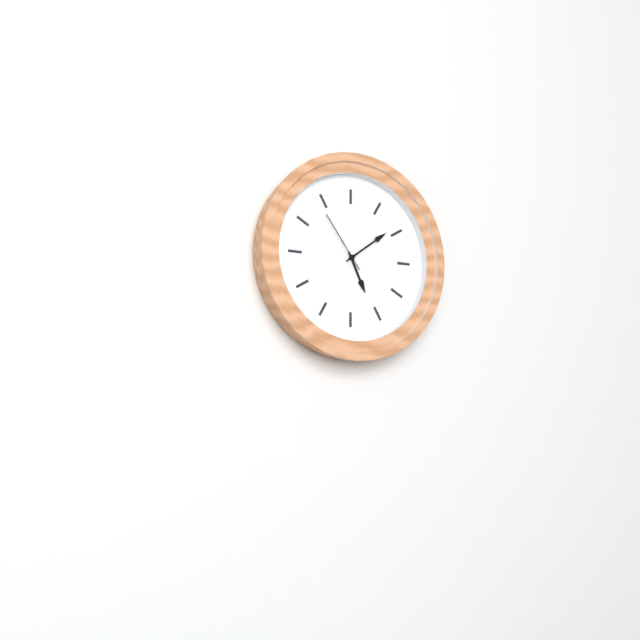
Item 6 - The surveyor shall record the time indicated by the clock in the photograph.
5:09:54
